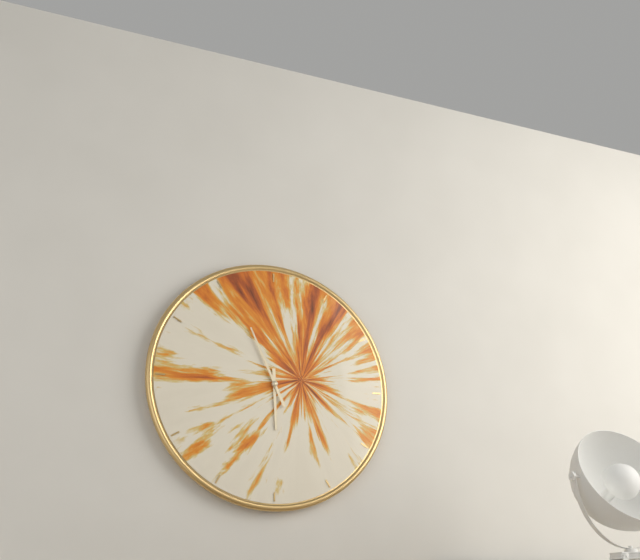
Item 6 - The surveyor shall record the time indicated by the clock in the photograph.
5:56
